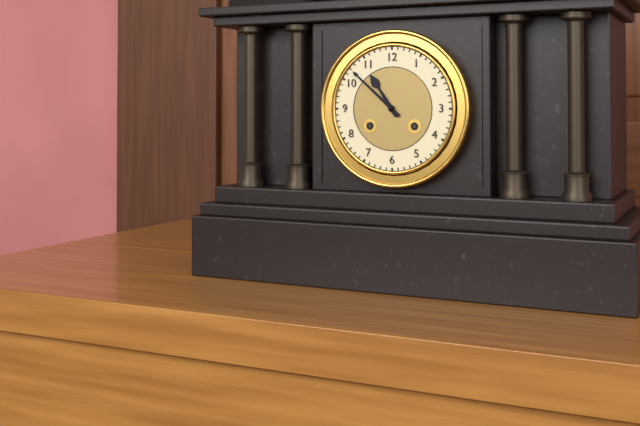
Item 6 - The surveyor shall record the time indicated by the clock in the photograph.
10:52
